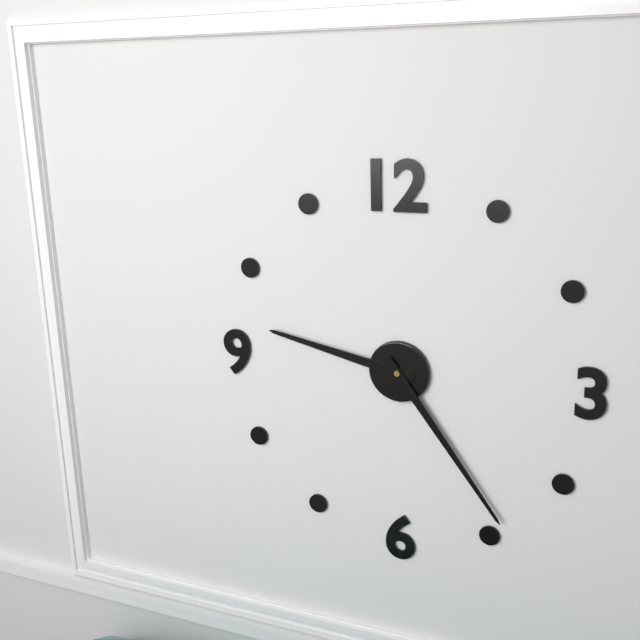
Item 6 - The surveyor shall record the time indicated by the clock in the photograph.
9:24
